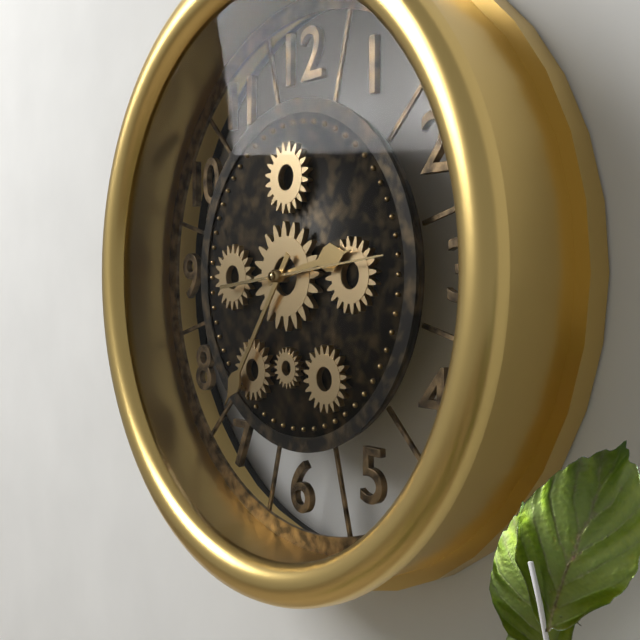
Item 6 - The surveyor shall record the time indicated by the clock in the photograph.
2:36:14
